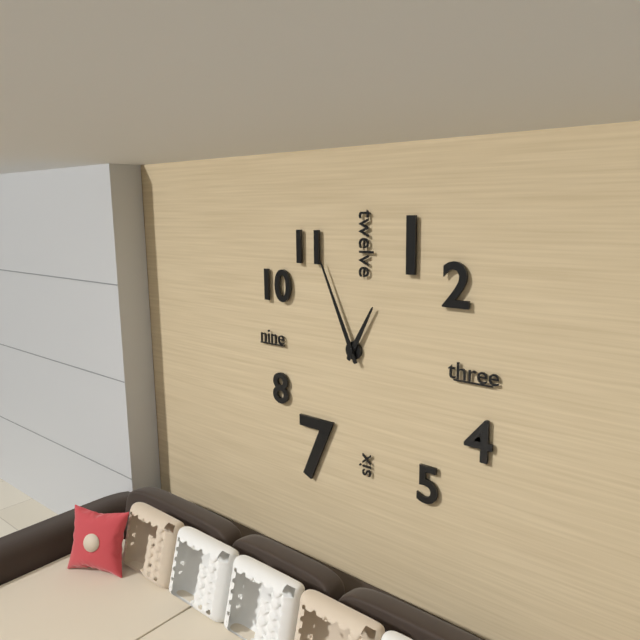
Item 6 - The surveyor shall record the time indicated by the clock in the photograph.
12:56
